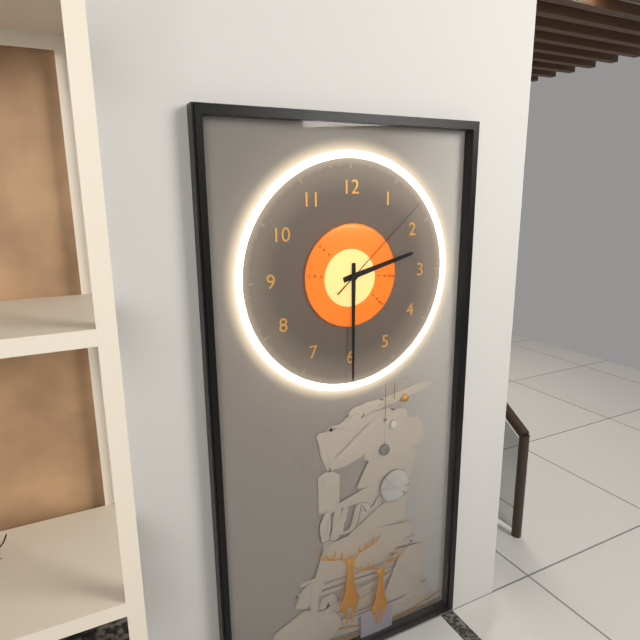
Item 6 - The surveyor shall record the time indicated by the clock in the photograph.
2:30:08
